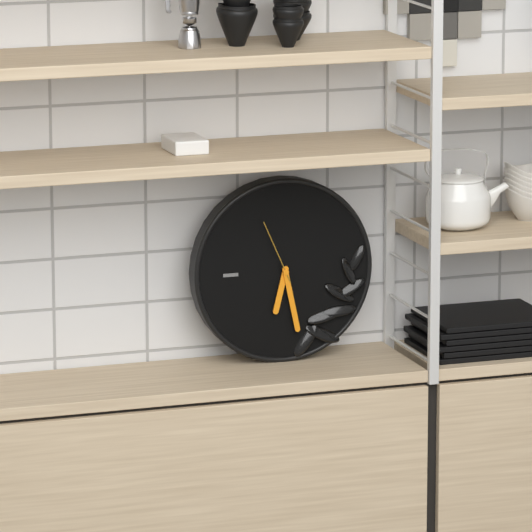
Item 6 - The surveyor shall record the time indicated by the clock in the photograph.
6:28:56
